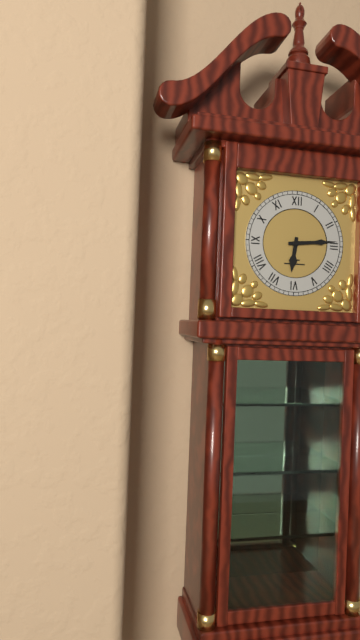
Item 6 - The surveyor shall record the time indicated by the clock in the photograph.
6:14
